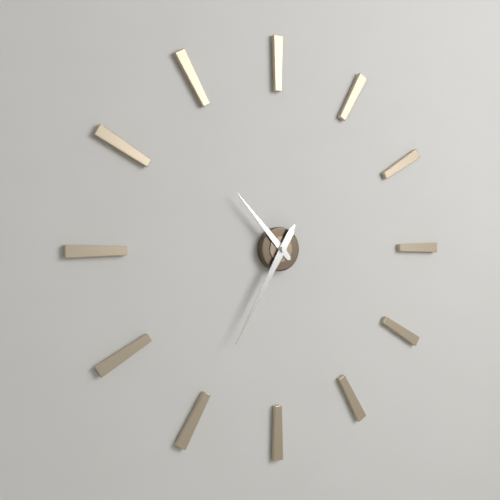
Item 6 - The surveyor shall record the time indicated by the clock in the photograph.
10:35
